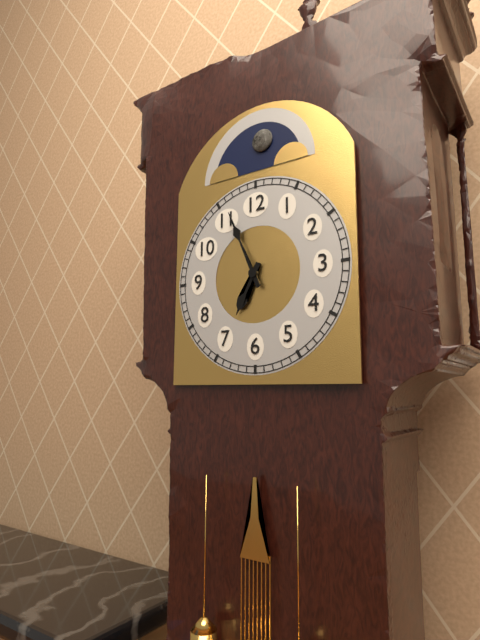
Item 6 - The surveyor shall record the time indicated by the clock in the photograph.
6:56
